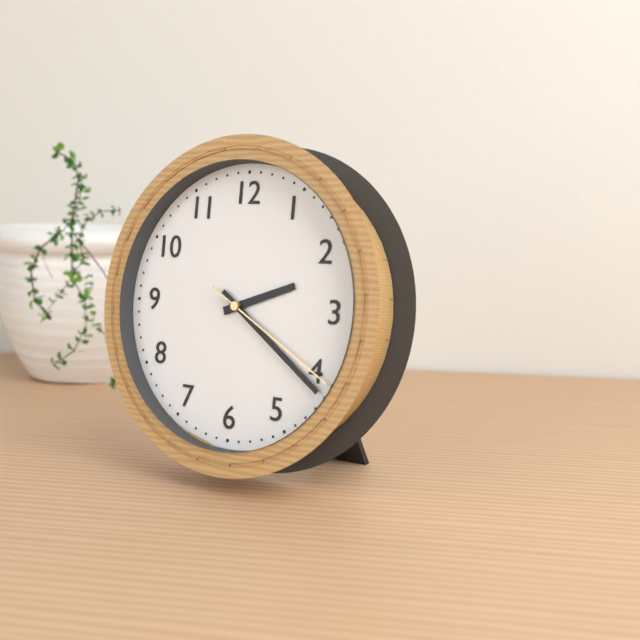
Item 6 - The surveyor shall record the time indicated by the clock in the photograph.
2:21:20
